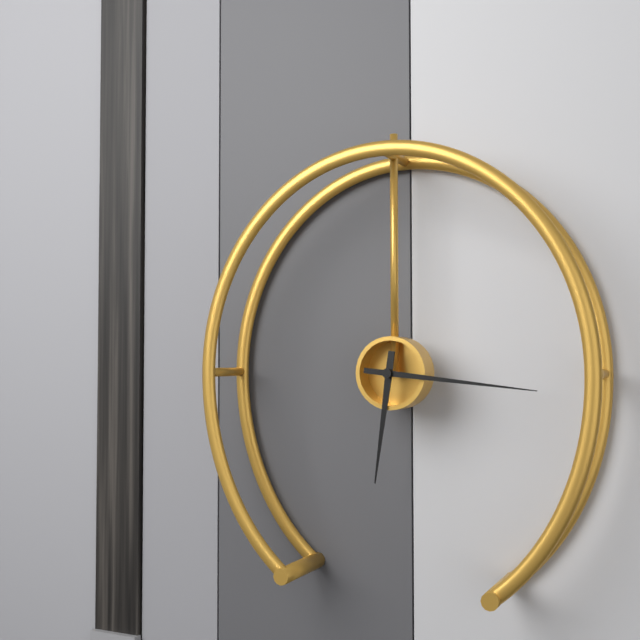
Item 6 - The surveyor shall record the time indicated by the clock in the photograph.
6:16
